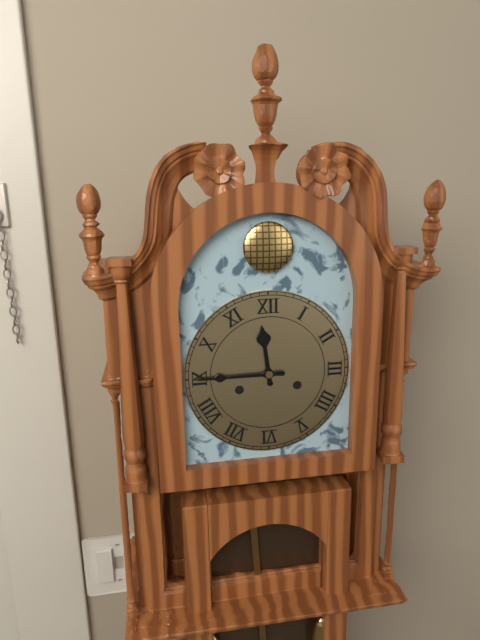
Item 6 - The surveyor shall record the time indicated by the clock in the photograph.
11:45
